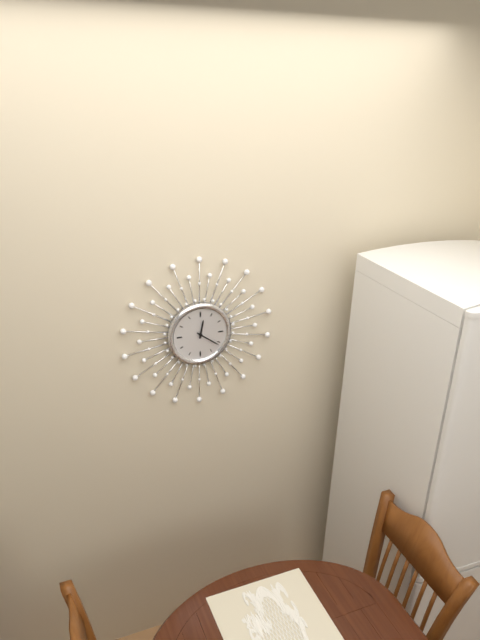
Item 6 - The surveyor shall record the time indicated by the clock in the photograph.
12:21
